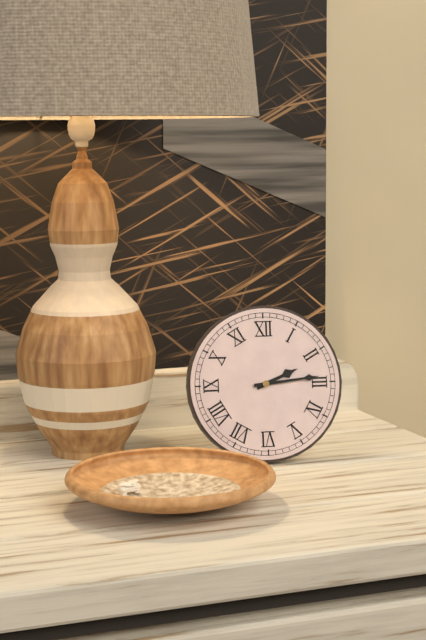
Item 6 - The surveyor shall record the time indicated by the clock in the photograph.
2:14
